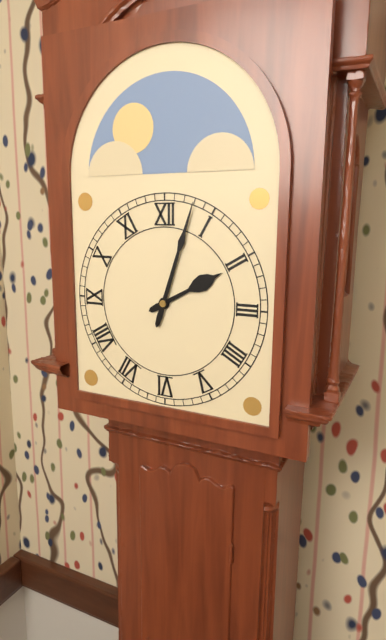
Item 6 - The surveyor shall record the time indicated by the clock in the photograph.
2:03
